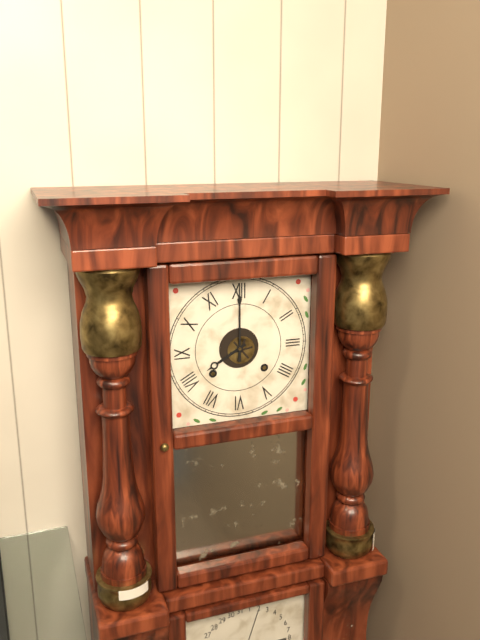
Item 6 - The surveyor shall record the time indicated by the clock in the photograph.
8:00
